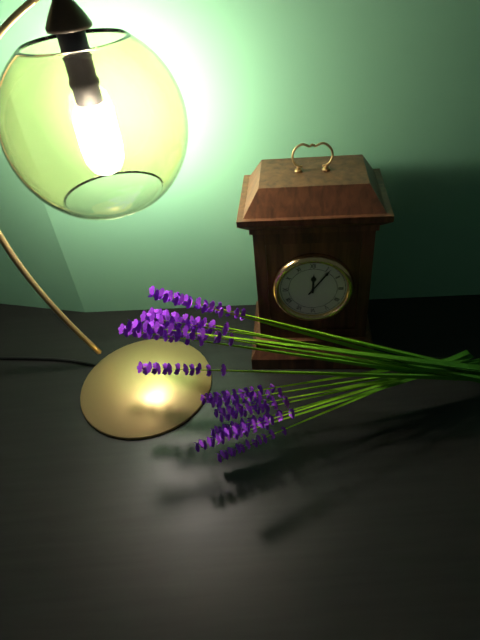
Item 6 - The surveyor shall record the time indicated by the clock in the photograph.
12:06
